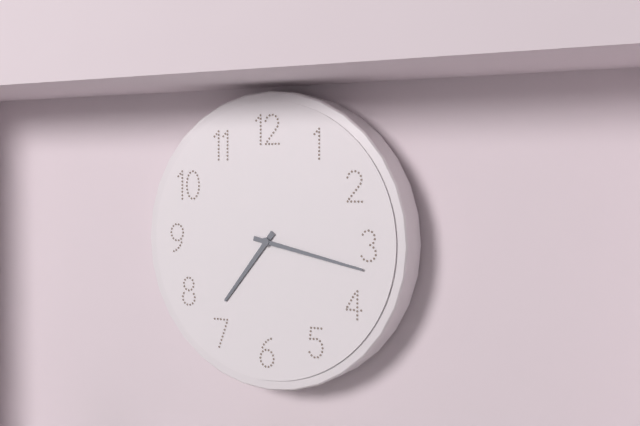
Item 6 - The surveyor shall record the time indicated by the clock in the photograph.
7:17
